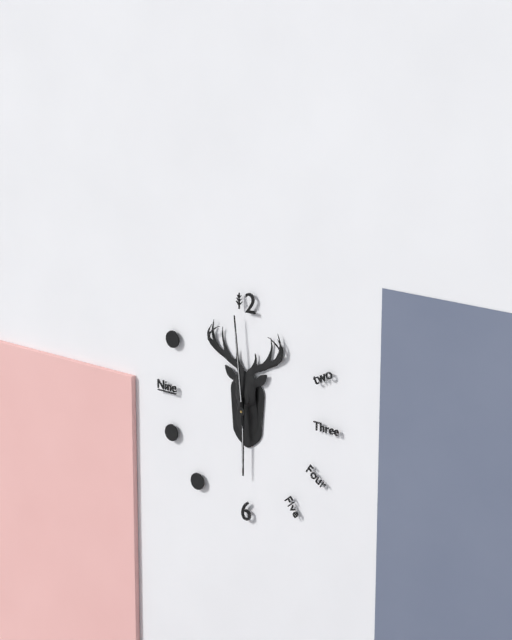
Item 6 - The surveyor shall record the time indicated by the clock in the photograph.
5:59
